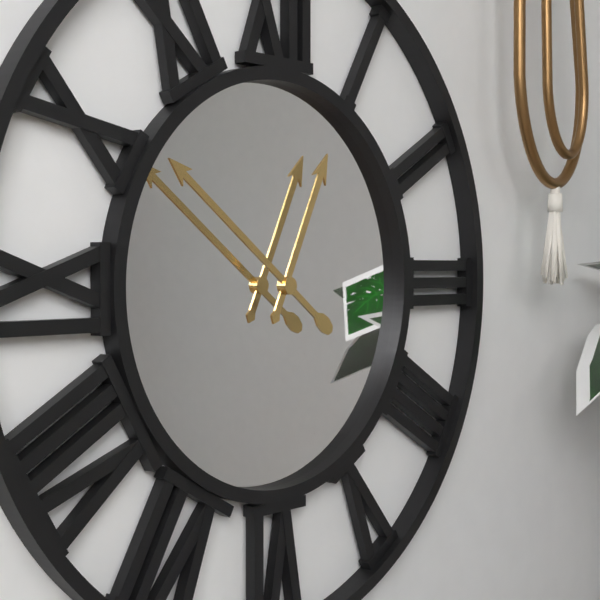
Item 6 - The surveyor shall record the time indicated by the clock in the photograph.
12:51
